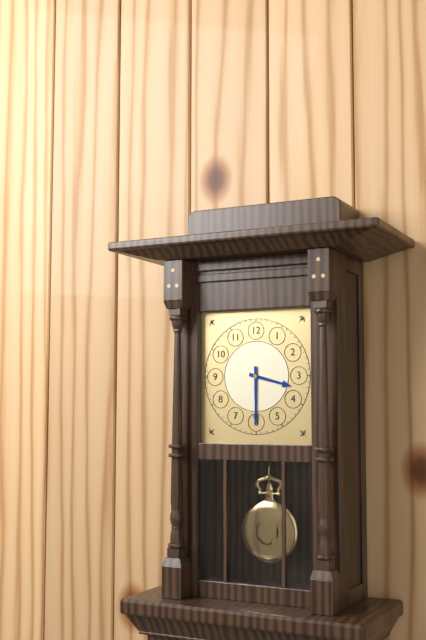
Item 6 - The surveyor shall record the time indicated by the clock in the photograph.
3:30
